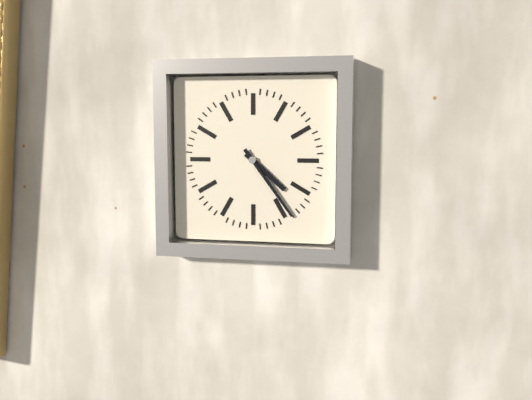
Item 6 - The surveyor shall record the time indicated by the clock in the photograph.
4:24
